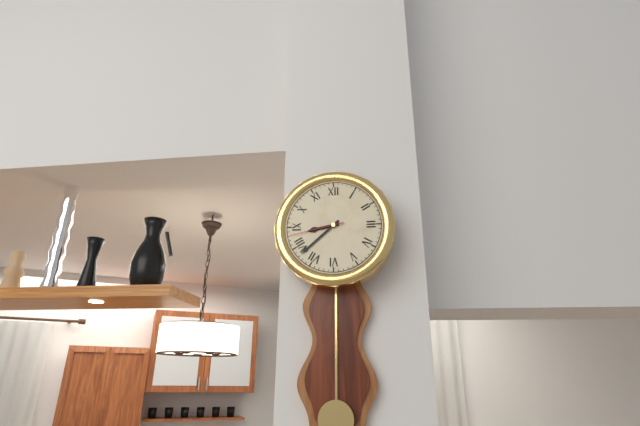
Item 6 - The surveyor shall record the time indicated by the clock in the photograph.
8:38:43
